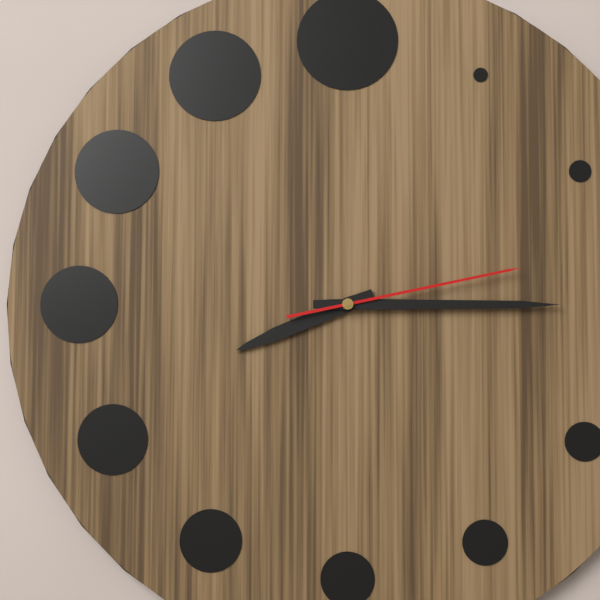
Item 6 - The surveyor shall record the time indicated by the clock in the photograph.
8:15:13
